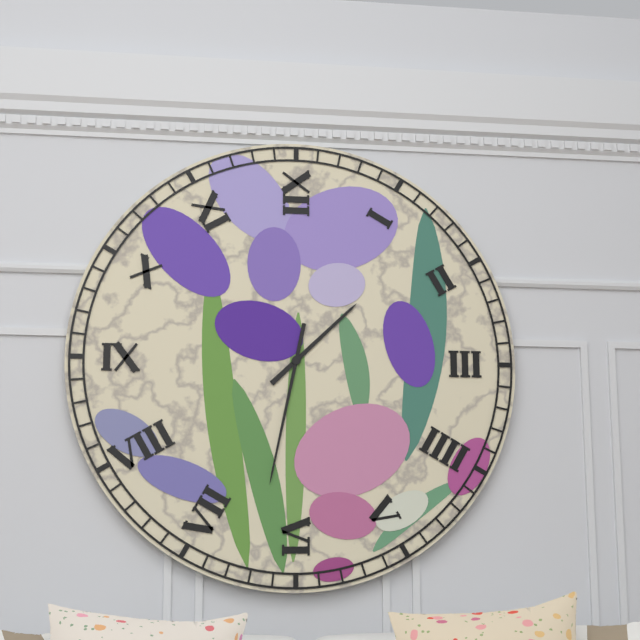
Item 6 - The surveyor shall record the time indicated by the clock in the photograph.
1:32
